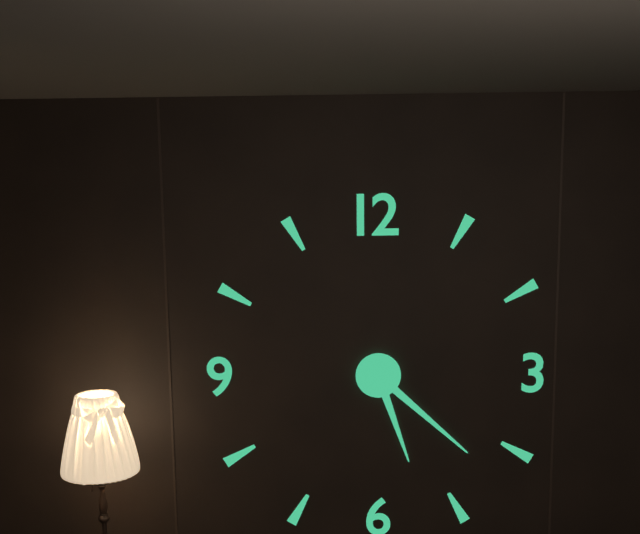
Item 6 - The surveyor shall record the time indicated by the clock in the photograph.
5:22
